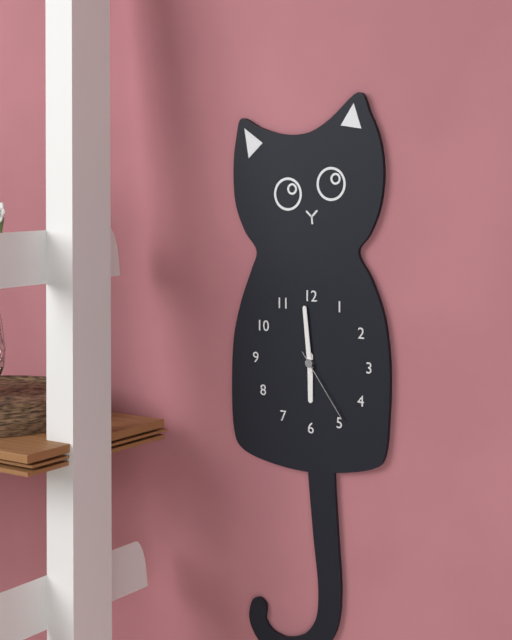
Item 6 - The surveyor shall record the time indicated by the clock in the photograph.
5:59:24
